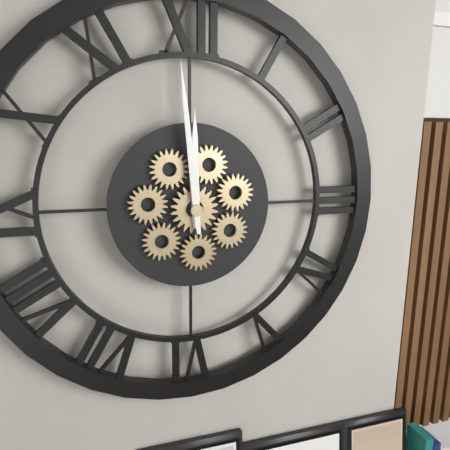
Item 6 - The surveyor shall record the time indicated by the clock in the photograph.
11:59
